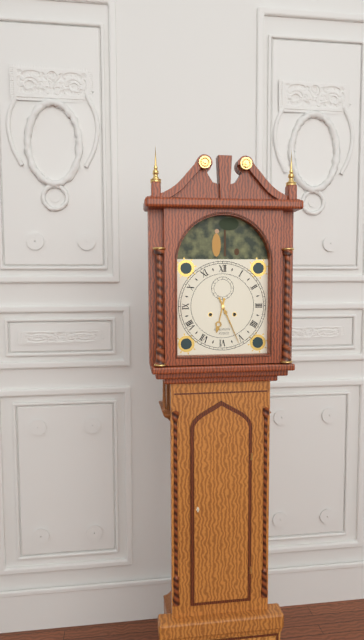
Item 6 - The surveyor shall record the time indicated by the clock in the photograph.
6:26
